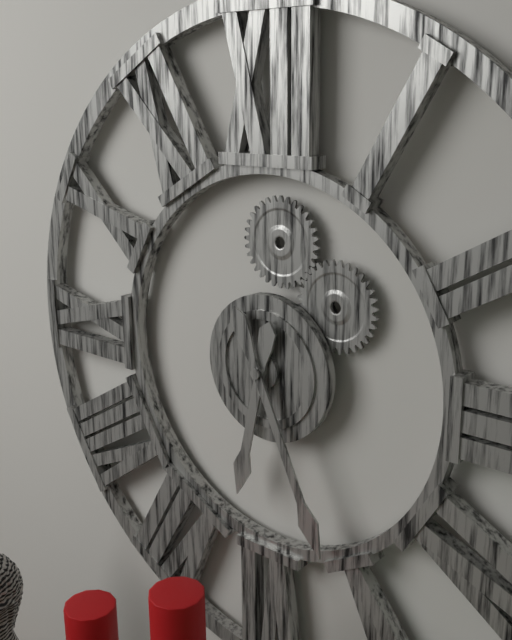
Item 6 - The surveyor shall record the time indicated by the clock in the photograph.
6:26
